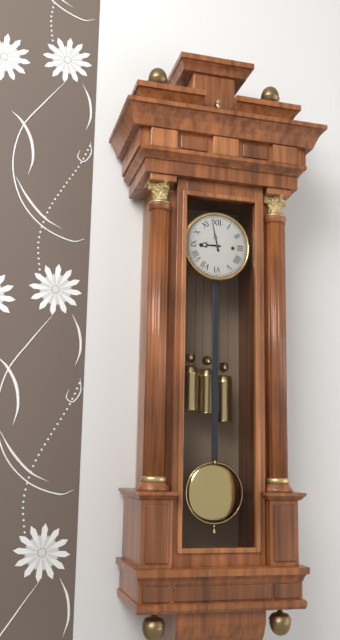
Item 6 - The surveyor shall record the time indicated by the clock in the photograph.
8:58
